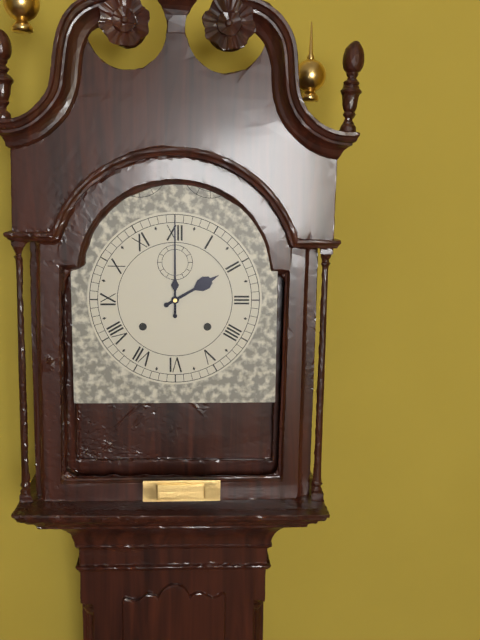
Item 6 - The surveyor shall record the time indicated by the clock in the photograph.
2:00
